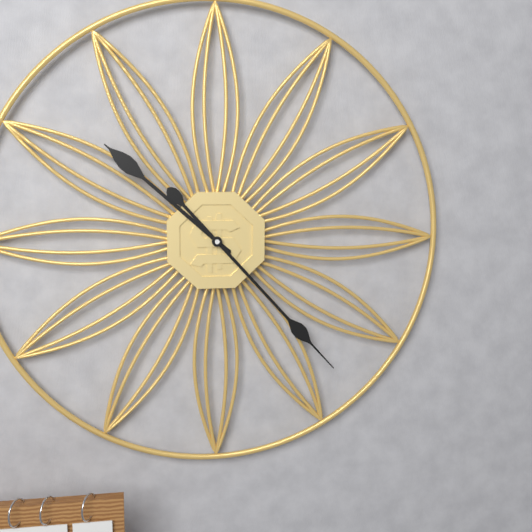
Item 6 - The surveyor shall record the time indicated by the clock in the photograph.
10:23
